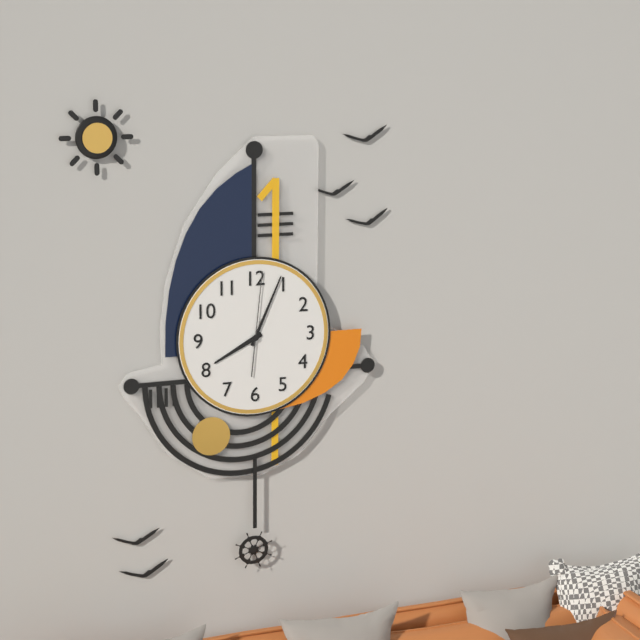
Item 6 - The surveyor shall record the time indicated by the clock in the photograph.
8:04:01
